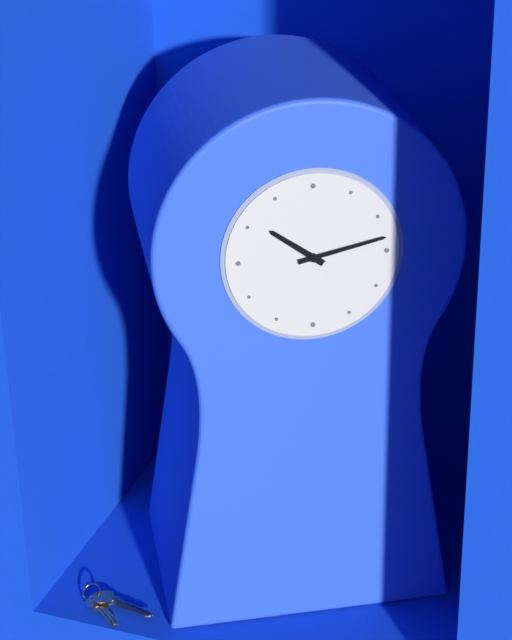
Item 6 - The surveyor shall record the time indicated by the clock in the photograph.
10:13
